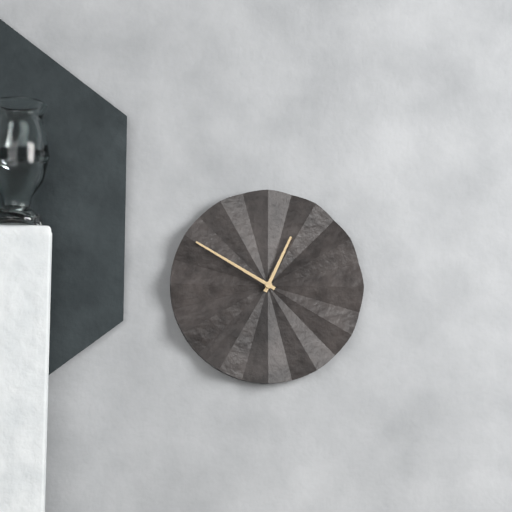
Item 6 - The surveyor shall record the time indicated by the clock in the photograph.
12:50
